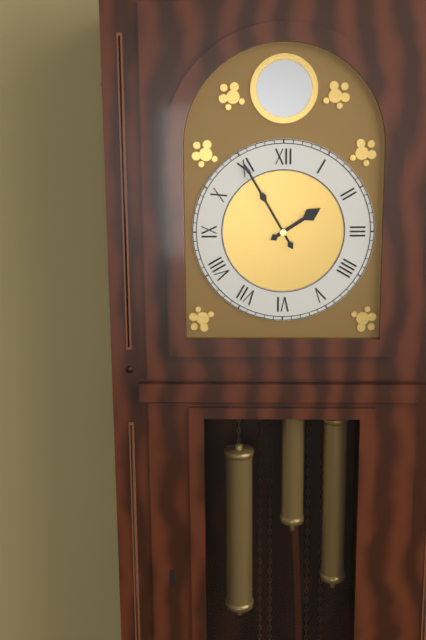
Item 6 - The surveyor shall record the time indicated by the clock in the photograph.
1:55
